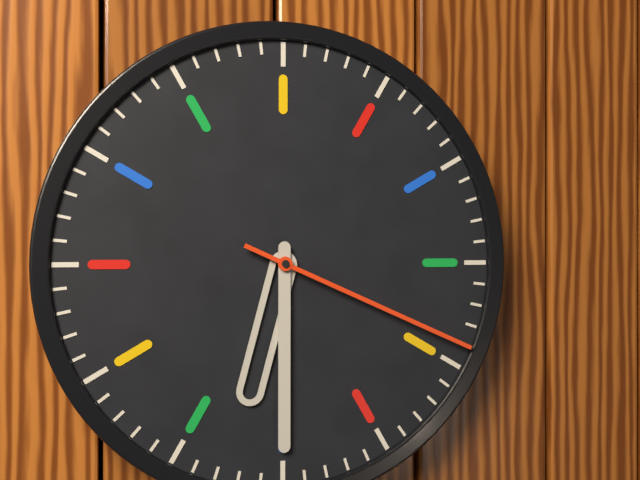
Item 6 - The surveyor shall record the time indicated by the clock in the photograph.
6:30:19
